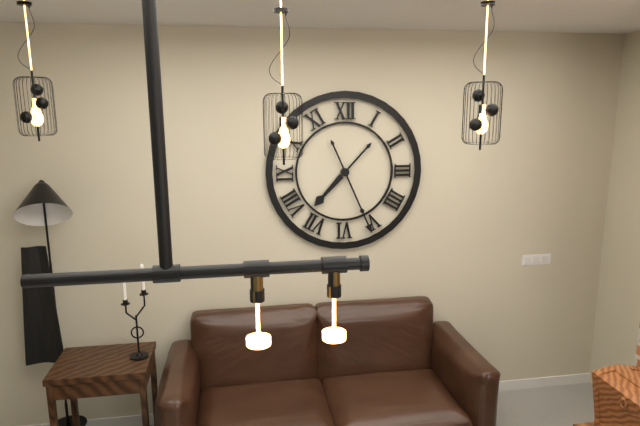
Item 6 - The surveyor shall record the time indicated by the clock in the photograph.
7:26
